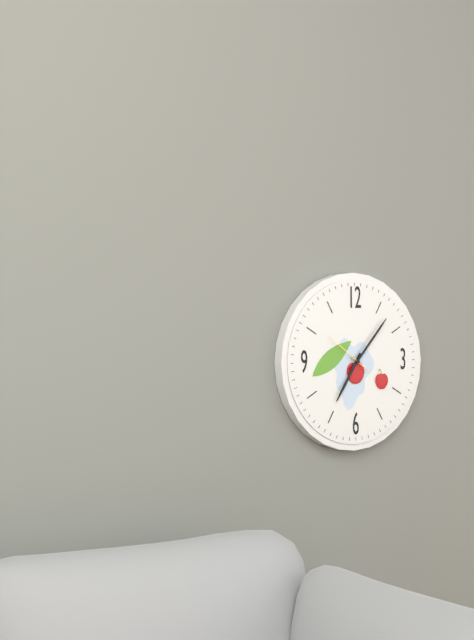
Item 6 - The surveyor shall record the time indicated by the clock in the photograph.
7:07
